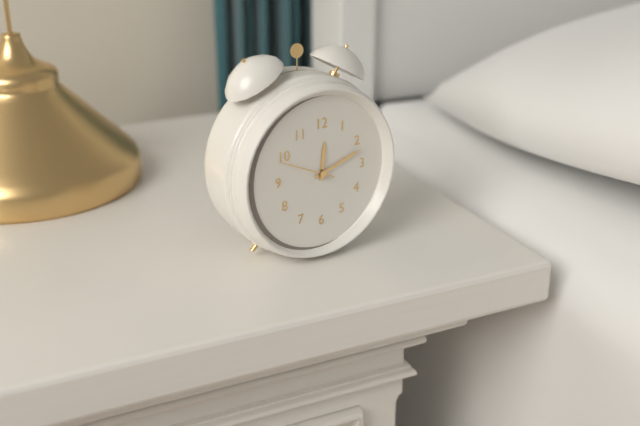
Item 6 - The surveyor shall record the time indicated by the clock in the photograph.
12:12:49
